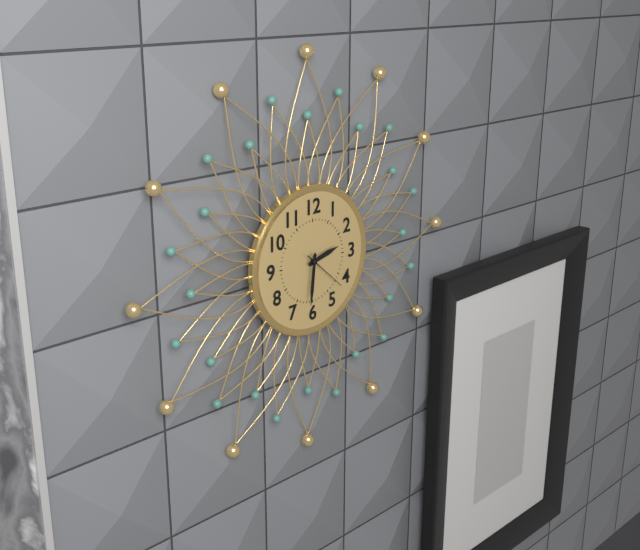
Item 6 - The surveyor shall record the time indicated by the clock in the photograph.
2:31
